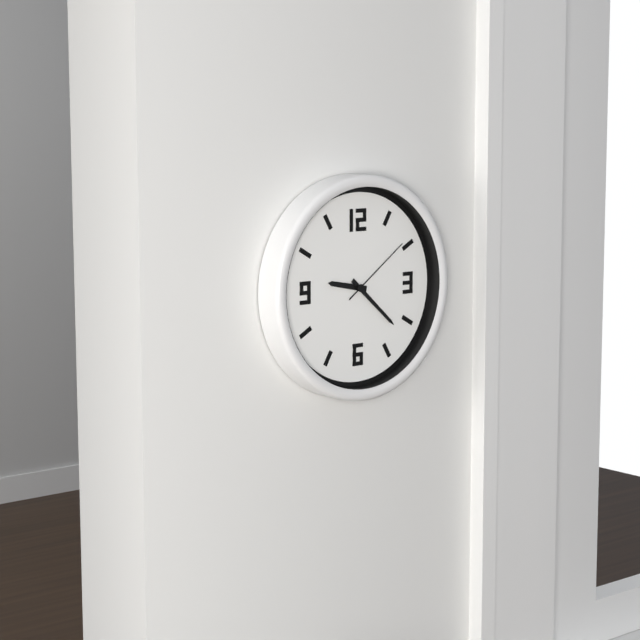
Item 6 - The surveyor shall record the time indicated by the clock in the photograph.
9:22:09
